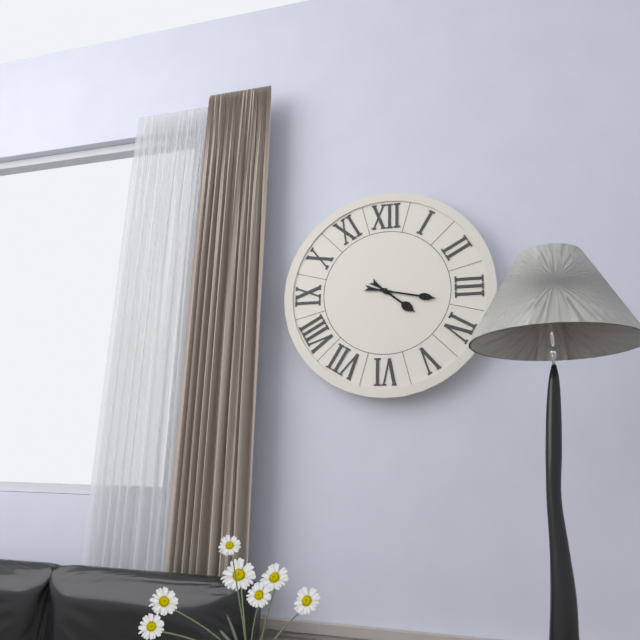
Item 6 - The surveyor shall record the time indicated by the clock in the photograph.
4:17
